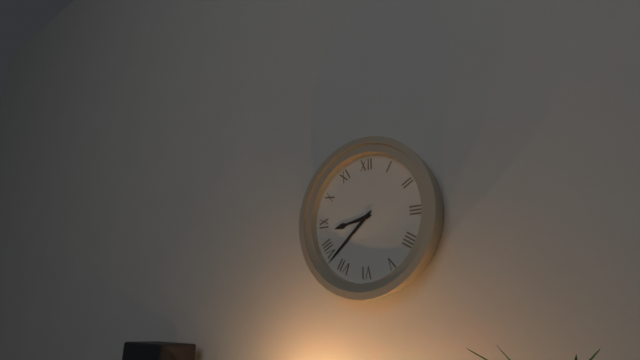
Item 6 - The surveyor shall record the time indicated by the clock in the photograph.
8:38
